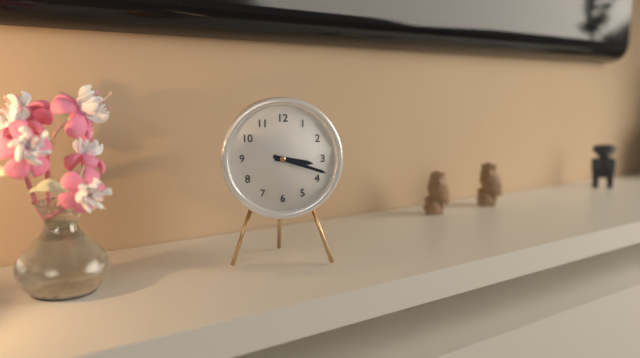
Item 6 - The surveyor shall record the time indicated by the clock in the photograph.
3:18
